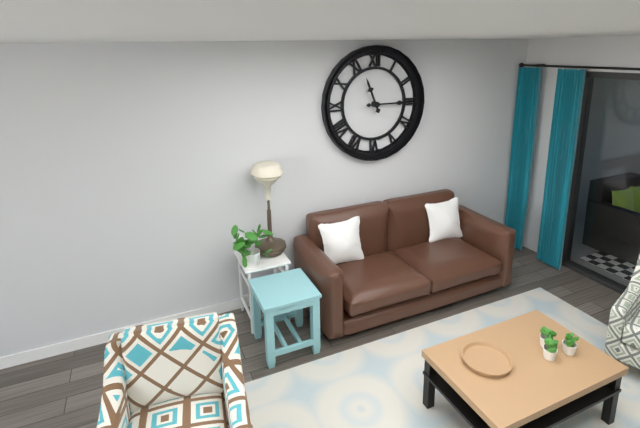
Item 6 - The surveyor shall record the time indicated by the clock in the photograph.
11:15
